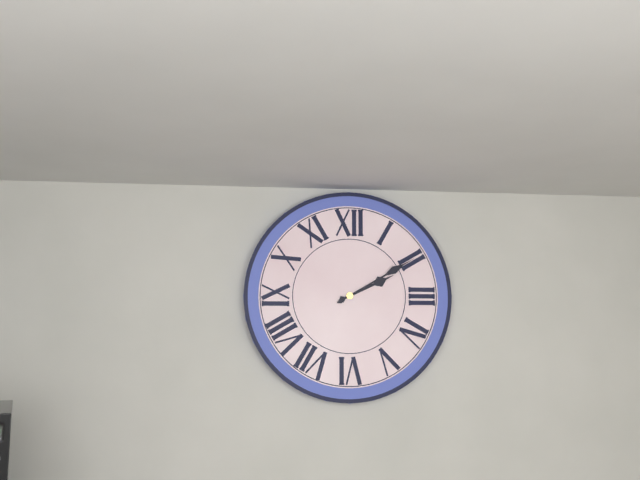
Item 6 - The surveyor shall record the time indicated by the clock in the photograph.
2:10
